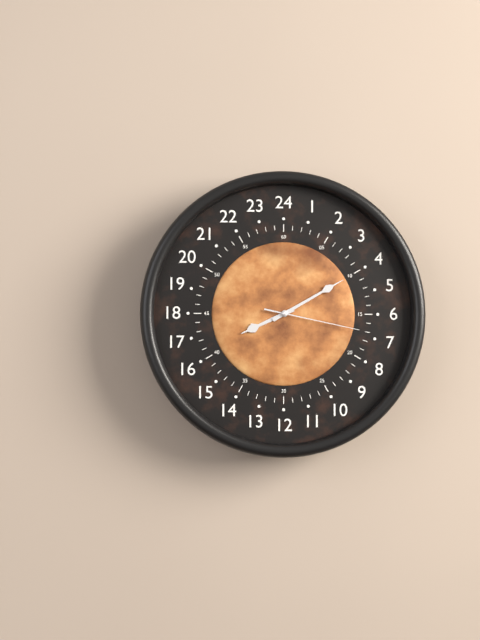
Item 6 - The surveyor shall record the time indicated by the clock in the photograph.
8:10:17
